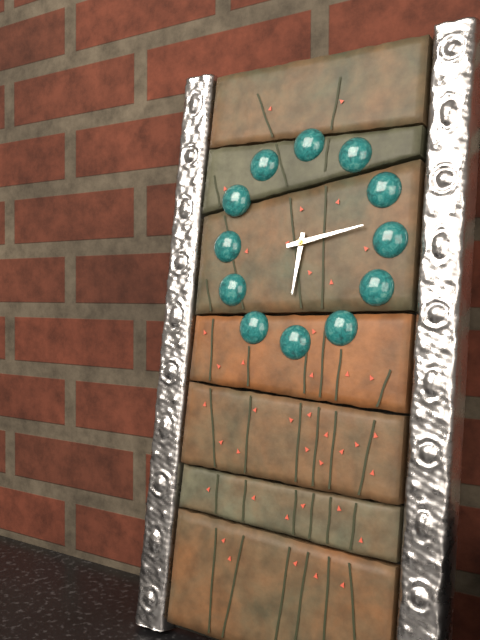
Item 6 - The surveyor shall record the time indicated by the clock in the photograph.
6:13
